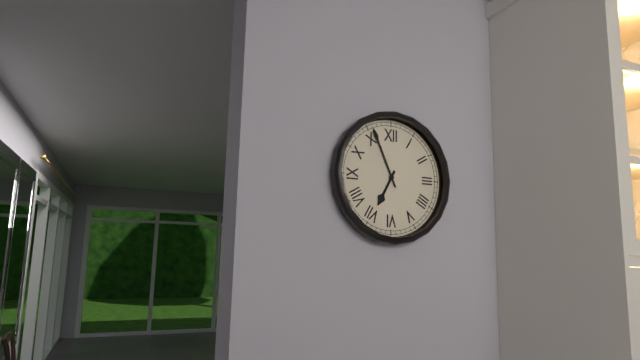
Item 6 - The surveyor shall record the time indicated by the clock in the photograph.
6:56
